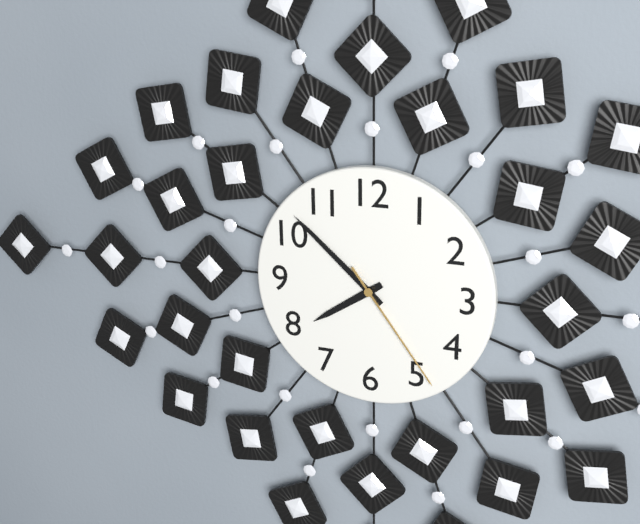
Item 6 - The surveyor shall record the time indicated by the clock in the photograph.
7:52:24
